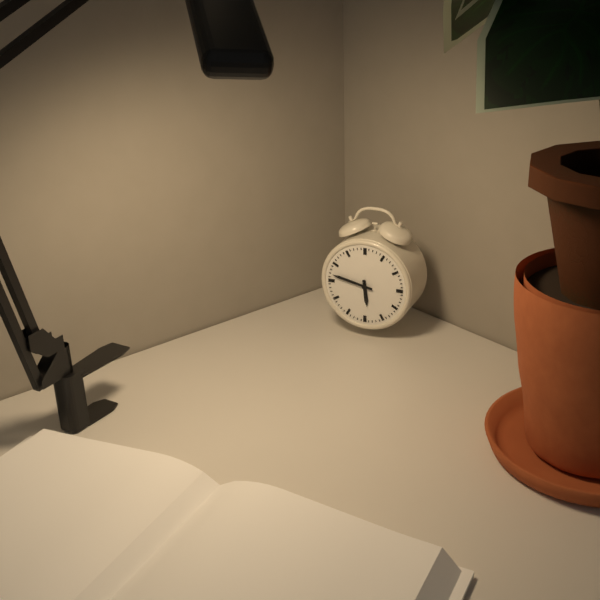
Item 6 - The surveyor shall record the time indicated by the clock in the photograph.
5:47
